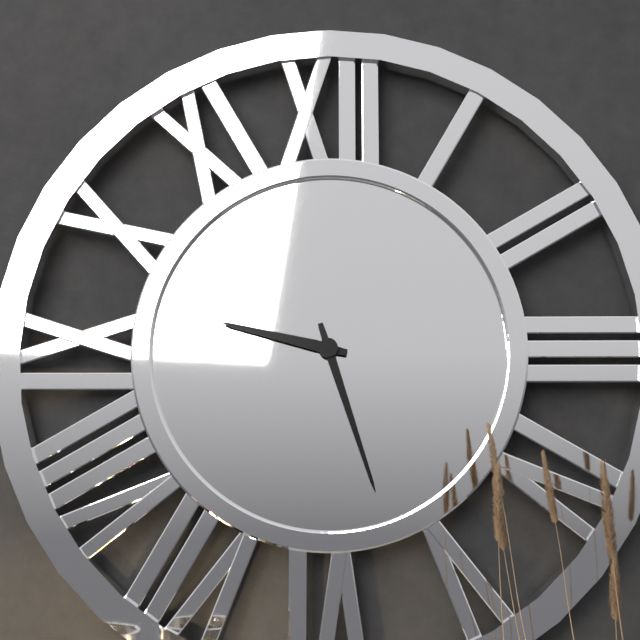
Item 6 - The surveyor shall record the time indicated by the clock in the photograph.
9:27
